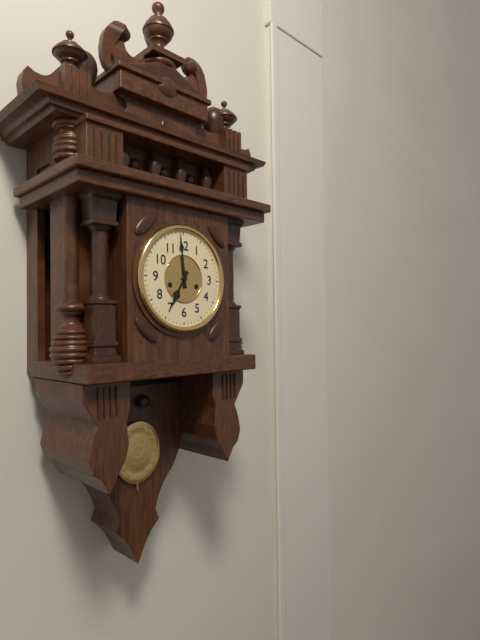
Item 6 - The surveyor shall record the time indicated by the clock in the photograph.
6:59
